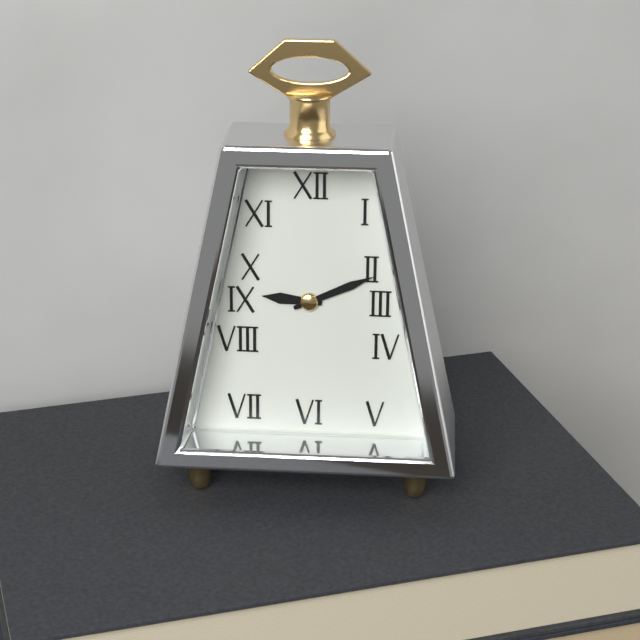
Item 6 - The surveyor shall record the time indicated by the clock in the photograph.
9:11
